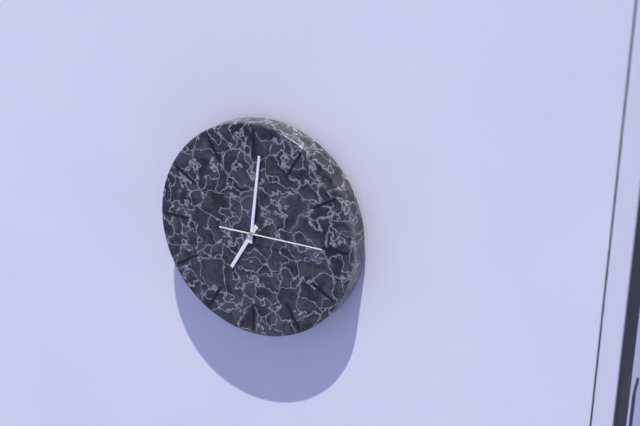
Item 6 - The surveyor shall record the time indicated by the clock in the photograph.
7:01:15
